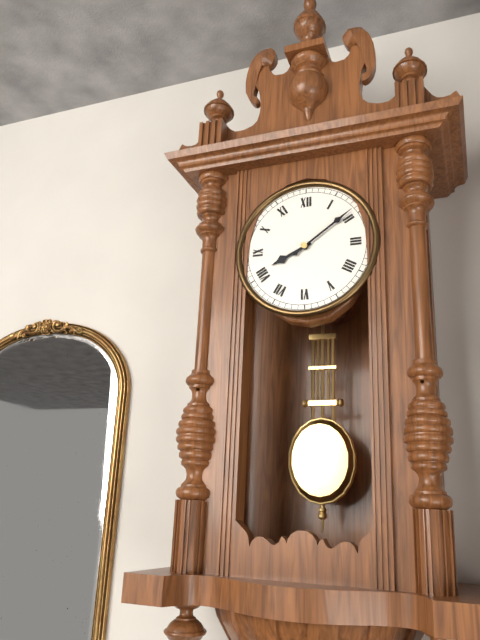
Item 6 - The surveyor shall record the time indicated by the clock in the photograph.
8:09
